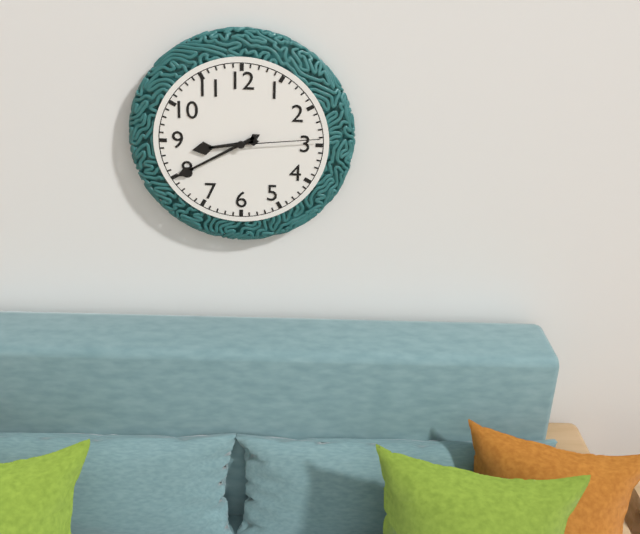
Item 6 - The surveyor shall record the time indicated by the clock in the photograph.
8:40:14
